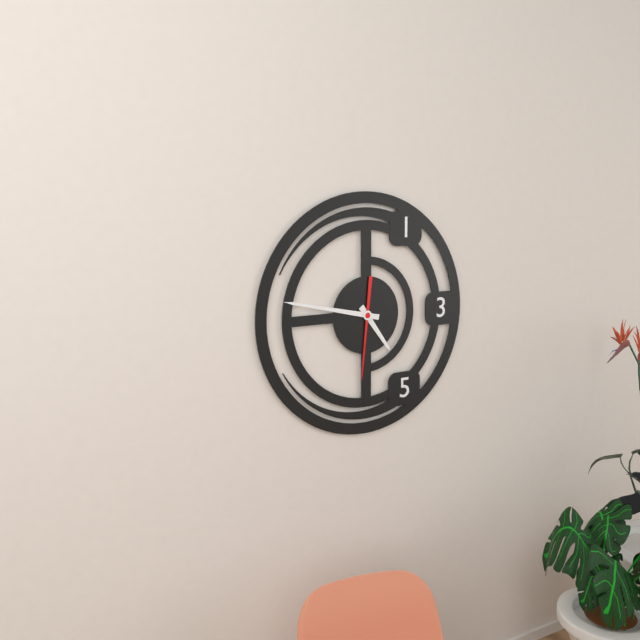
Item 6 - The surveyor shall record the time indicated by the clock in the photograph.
4:47:31
